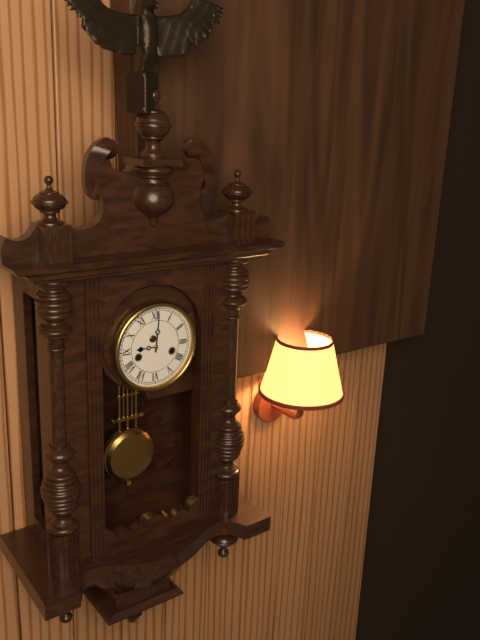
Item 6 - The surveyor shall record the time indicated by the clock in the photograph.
9:01
